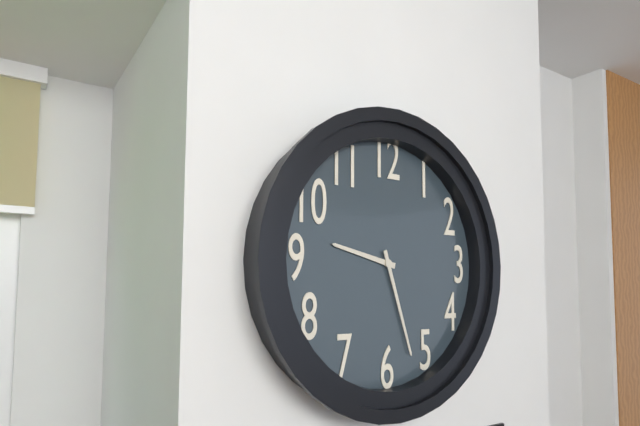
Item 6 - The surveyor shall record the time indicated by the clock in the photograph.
9:27
